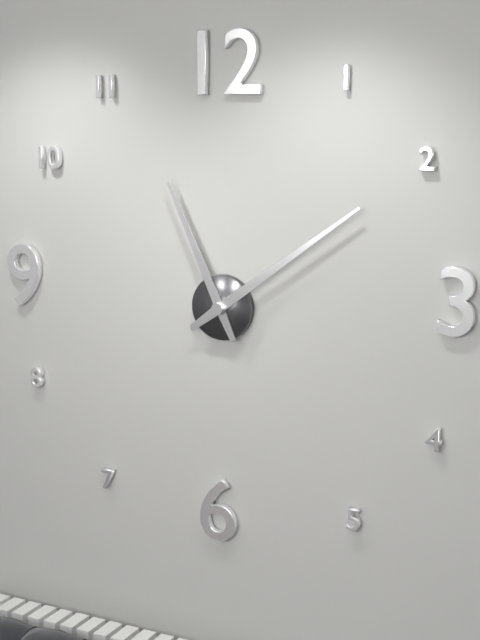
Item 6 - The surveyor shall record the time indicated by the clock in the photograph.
11:09
